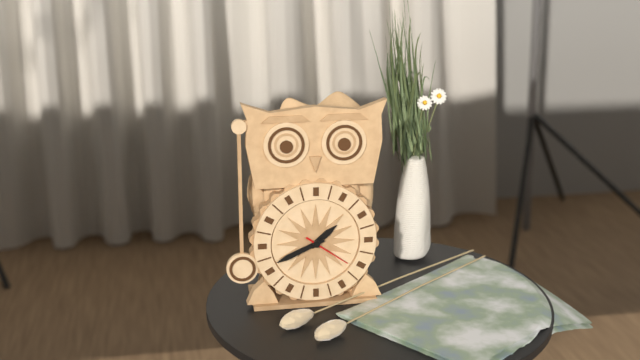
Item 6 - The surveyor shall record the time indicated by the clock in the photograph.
1:41
